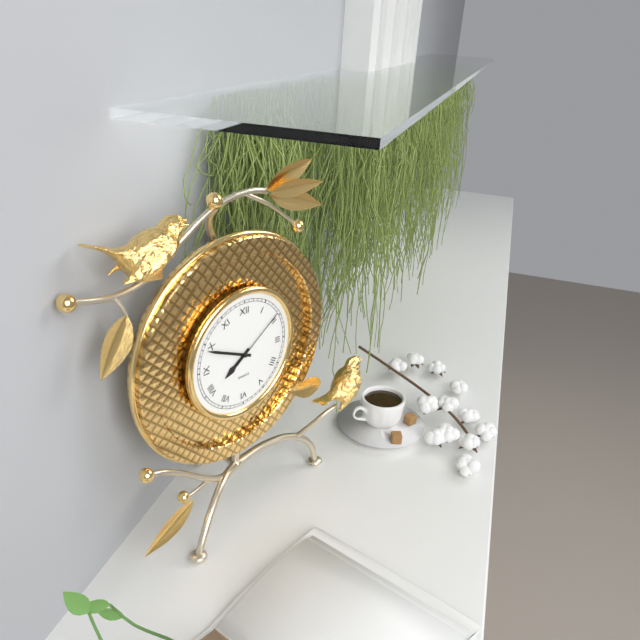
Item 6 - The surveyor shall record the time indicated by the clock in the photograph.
7:49:09
